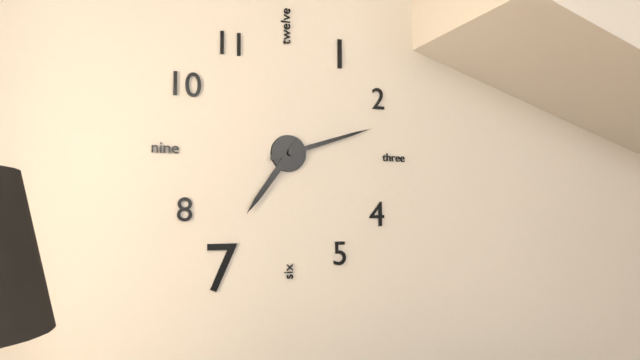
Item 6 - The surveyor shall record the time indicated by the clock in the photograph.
7:12
